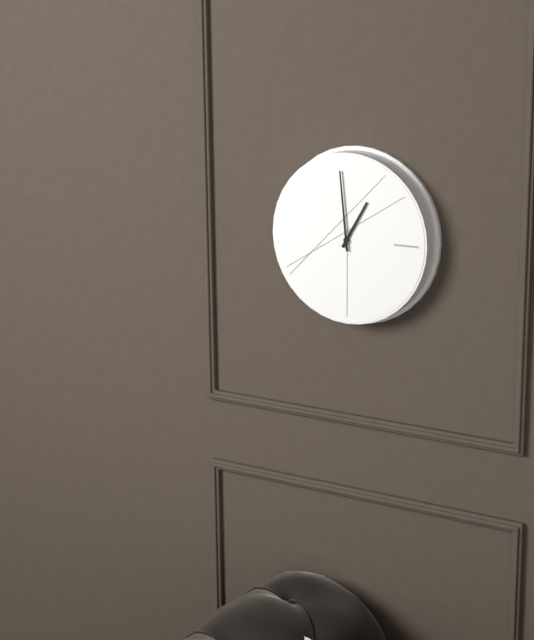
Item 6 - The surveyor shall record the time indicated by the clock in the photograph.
12:59
